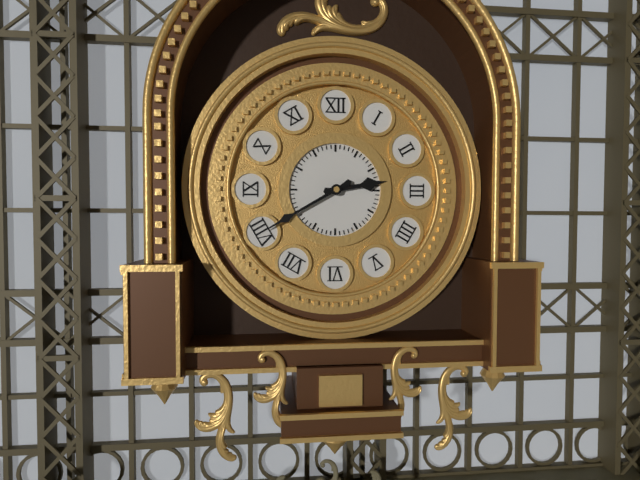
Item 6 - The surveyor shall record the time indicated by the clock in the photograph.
2:40
